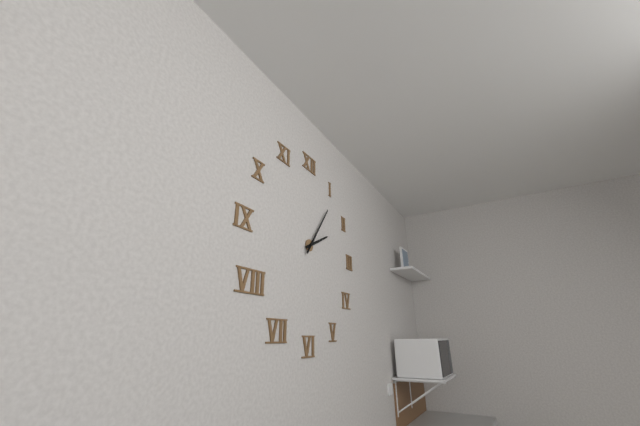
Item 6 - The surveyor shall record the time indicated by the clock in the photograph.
2:06
